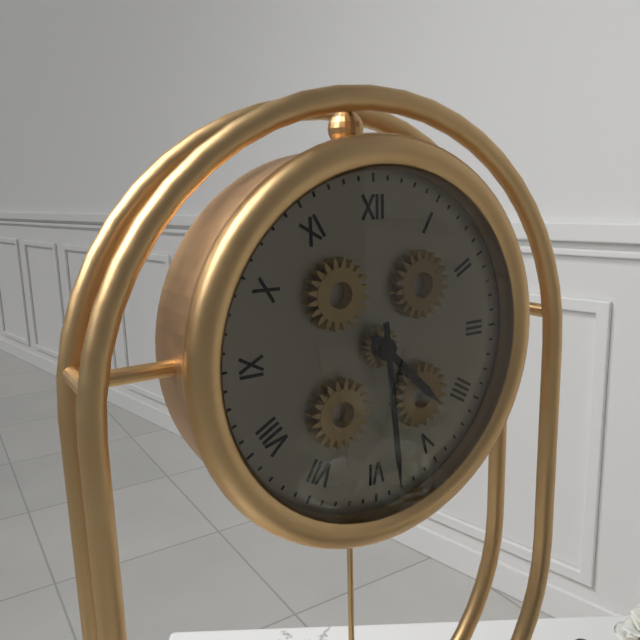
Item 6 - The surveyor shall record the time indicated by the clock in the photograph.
4:29
